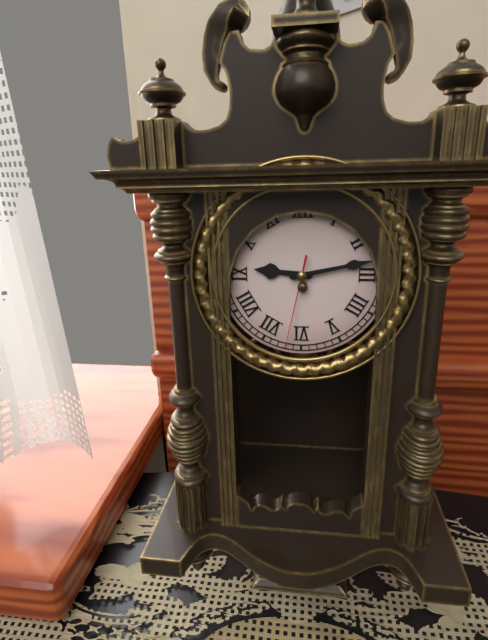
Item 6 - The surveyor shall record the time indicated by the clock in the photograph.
9:13:32
